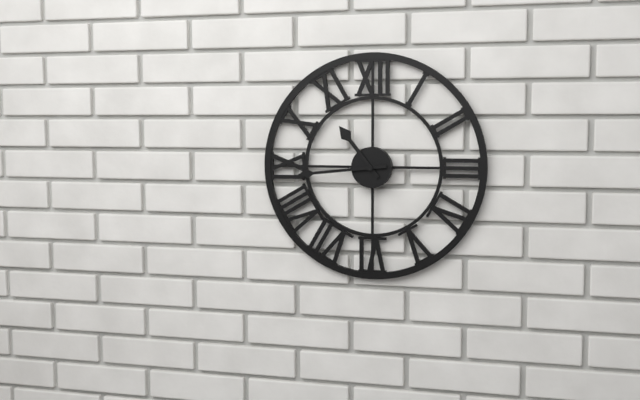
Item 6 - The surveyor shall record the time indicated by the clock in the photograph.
10:44
